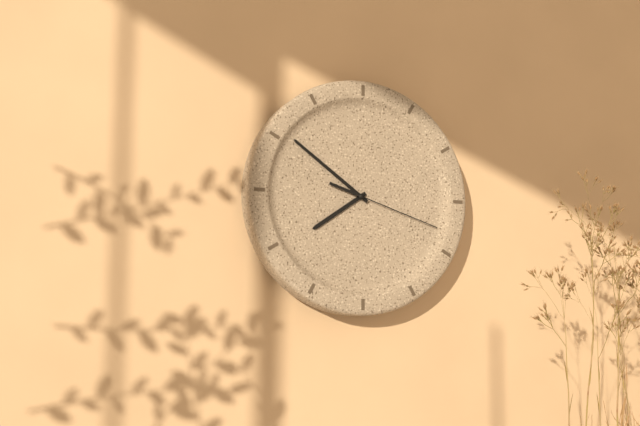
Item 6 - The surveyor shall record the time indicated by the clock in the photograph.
7:51:18
